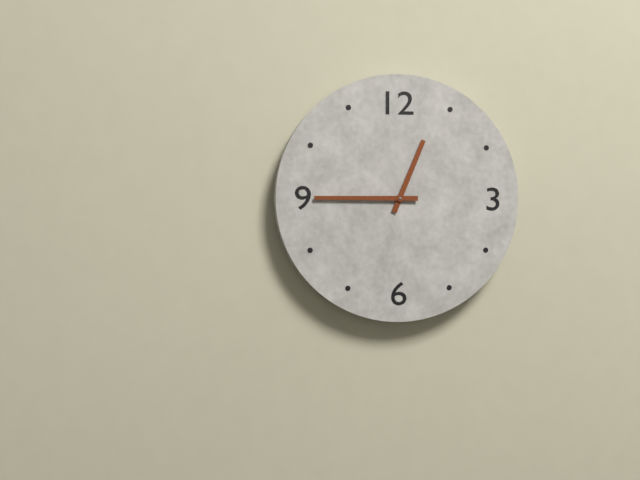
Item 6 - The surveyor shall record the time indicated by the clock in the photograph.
12:45
